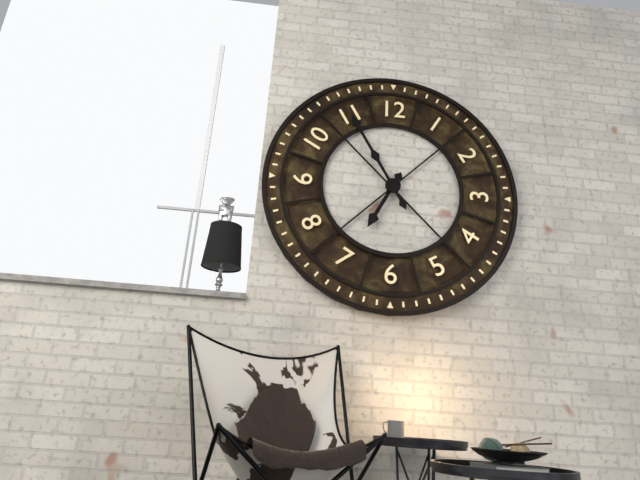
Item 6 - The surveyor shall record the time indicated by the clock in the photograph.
6:55
